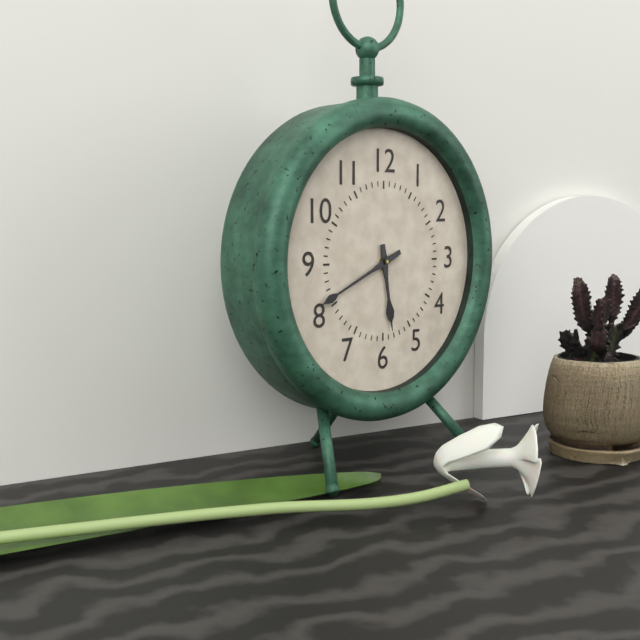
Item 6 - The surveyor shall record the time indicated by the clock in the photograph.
5:41
